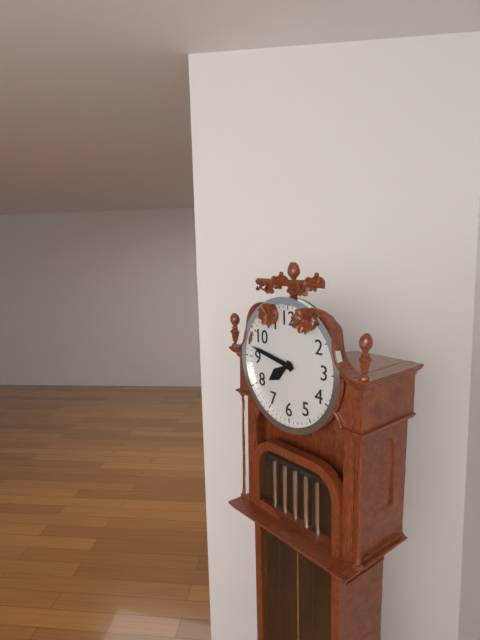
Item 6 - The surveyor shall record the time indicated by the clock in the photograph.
7:47
